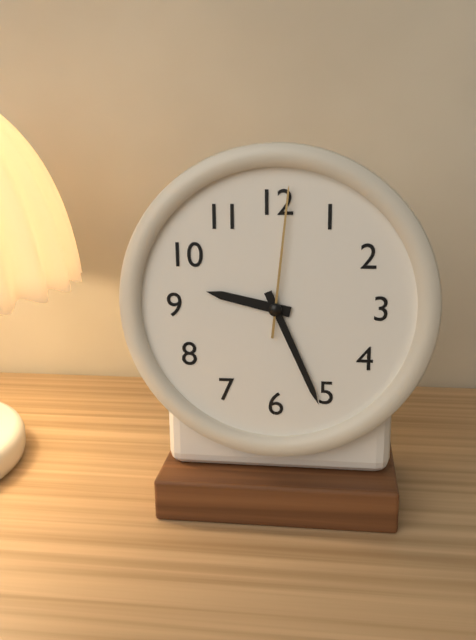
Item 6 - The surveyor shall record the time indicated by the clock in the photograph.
9:26:01
